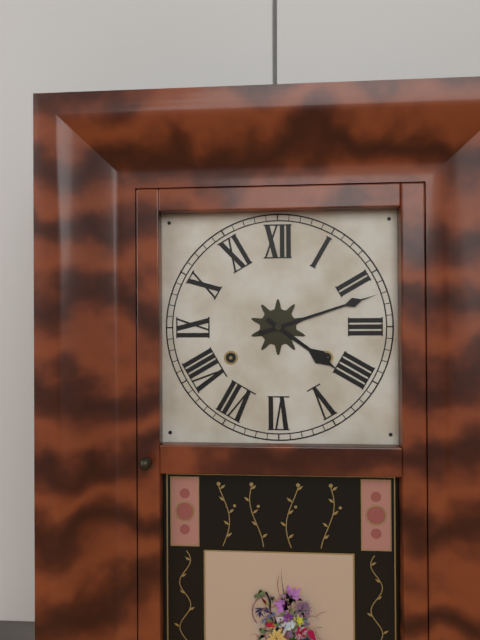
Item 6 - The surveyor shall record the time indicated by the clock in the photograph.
4:12
